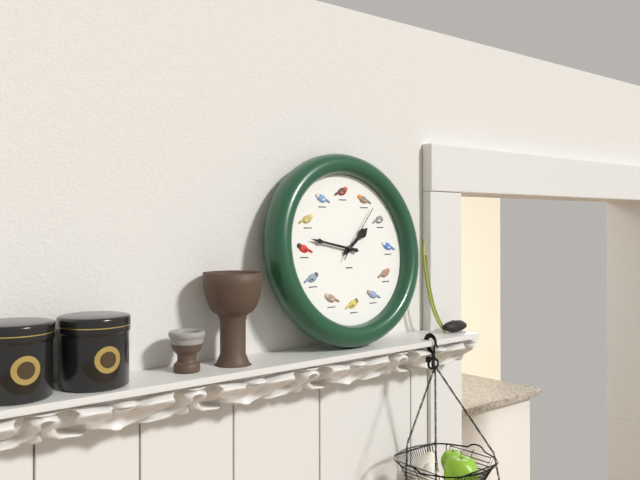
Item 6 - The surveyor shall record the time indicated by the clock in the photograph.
1:47:07
